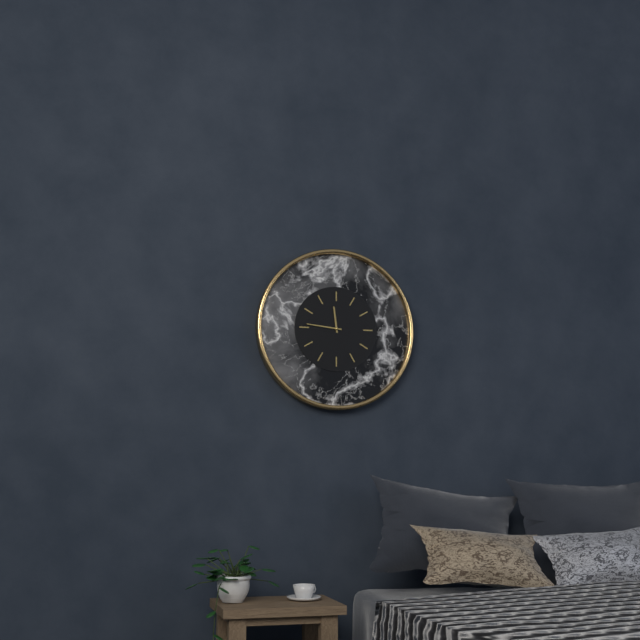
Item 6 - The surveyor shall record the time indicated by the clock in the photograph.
11:46
